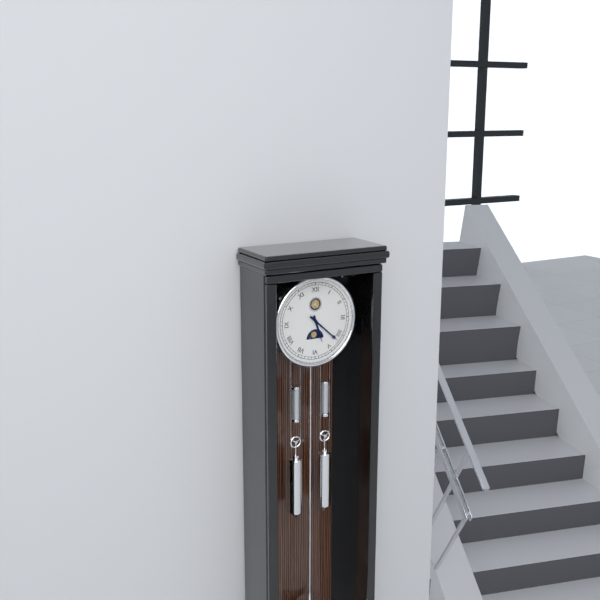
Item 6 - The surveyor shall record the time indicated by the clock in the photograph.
5:22
